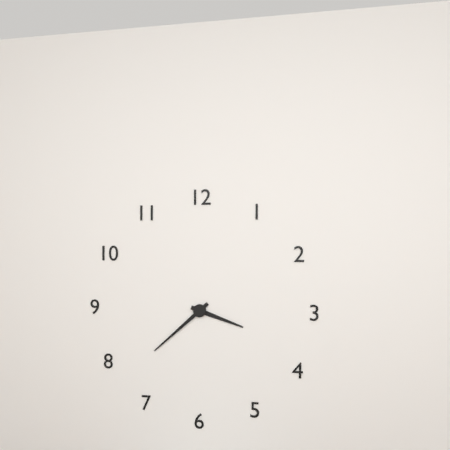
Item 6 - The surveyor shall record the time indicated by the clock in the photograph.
3:38
